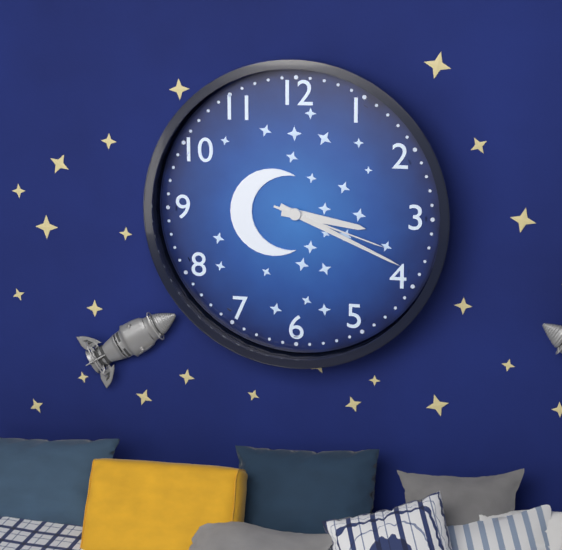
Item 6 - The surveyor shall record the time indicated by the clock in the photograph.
3:19:18
